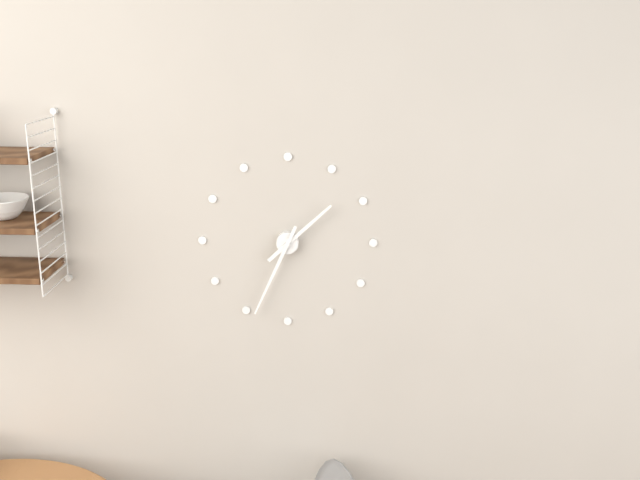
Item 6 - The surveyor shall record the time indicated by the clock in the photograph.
1:34
